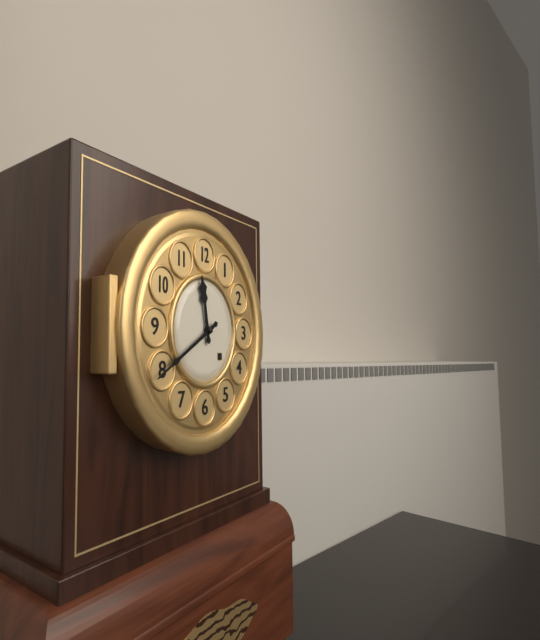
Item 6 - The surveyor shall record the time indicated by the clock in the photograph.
11:40
